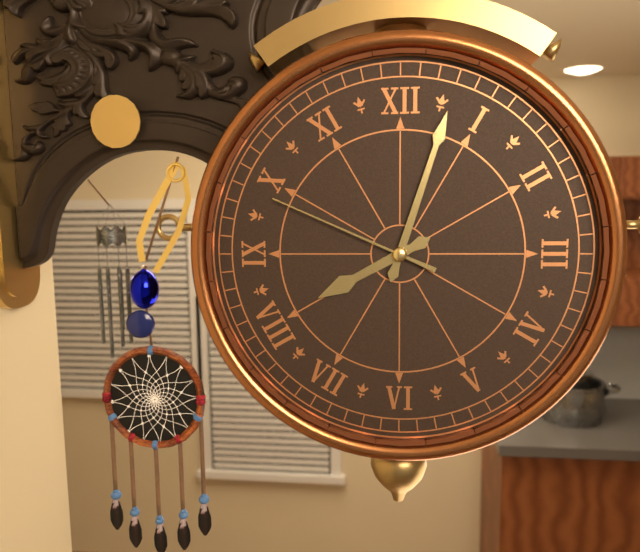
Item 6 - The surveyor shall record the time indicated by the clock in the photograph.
8:03:49
